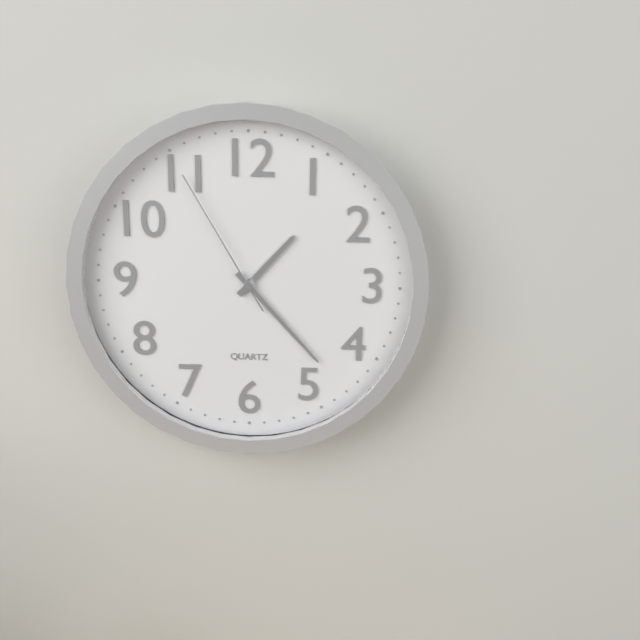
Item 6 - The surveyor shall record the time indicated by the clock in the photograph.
1:23:55
